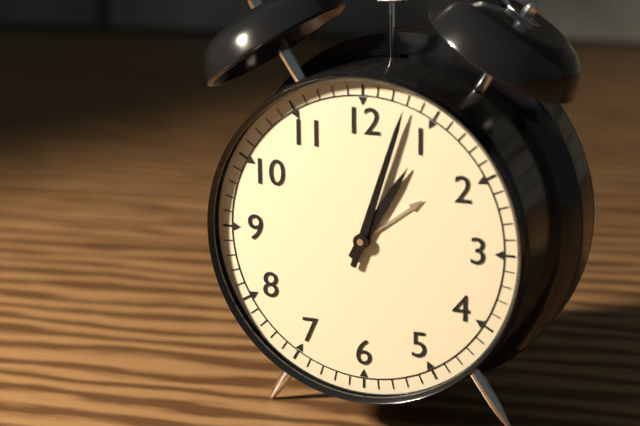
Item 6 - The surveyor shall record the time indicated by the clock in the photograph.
1:03
